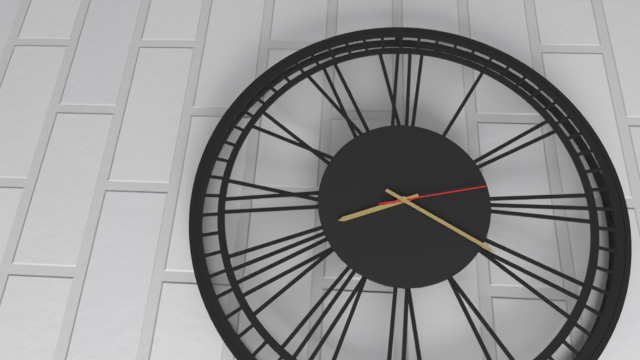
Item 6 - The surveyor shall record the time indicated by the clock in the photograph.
8:20:13
